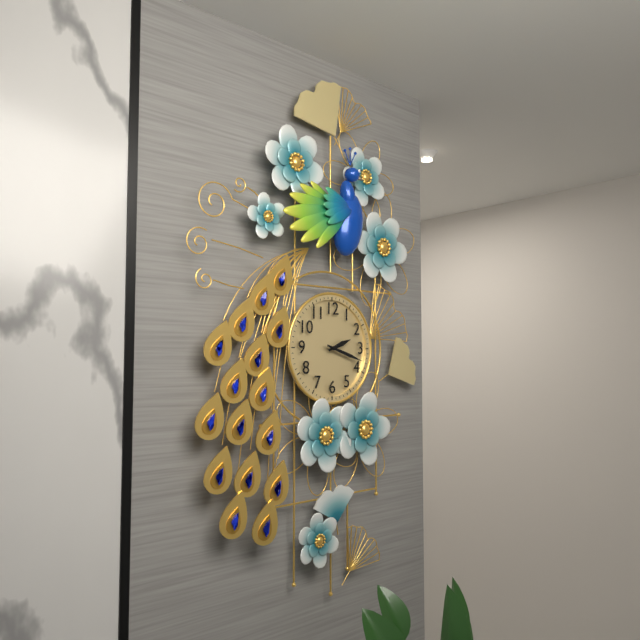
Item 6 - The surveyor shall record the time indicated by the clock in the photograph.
2:18
